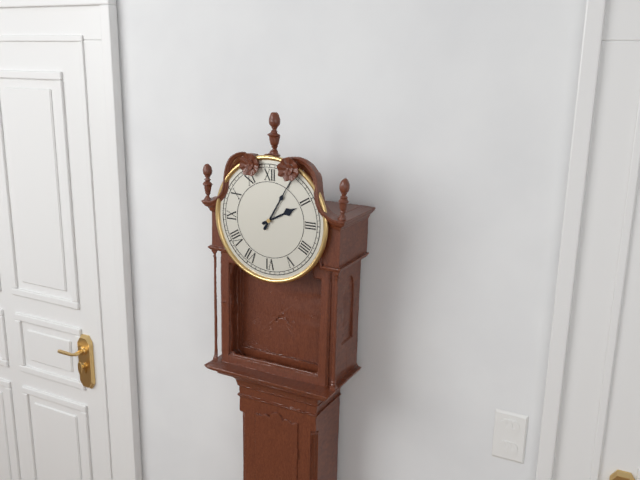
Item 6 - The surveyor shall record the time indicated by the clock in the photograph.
2:05
